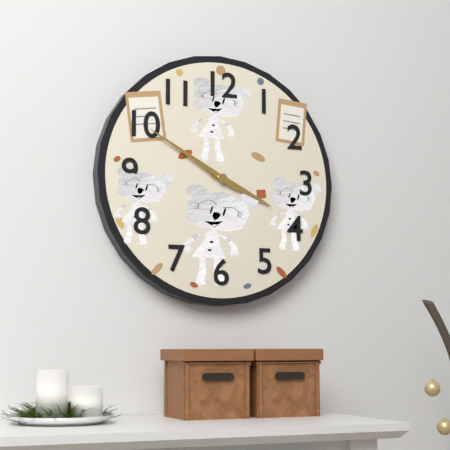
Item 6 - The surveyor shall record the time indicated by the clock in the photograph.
3:50
